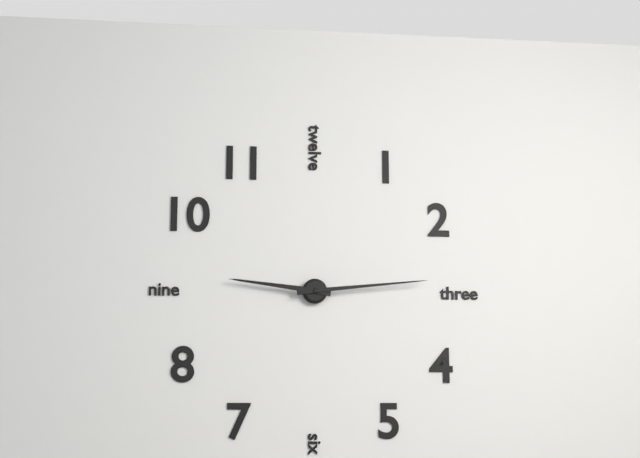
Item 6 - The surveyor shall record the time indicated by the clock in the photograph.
9:14
